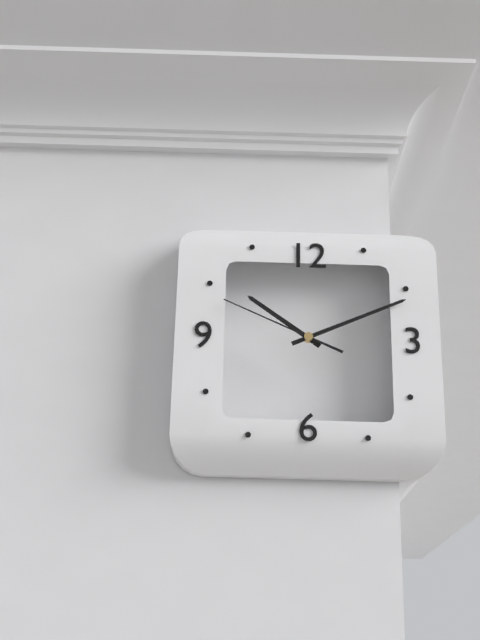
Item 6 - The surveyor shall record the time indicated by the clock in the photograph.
10:11:49
